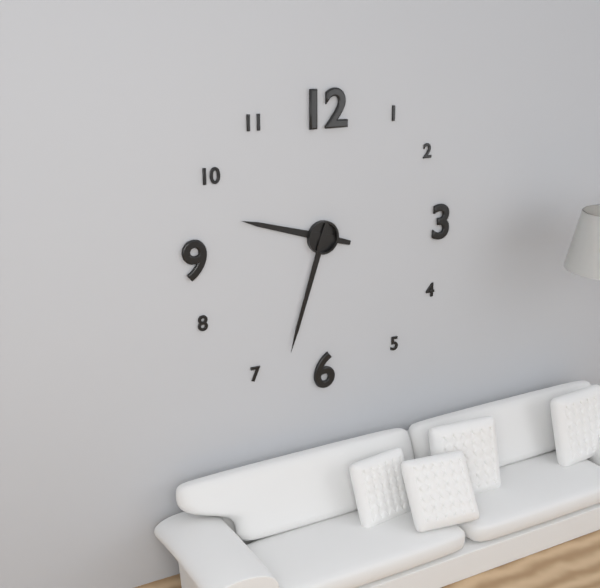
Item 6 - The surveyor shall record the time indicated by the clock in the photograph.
9:33
